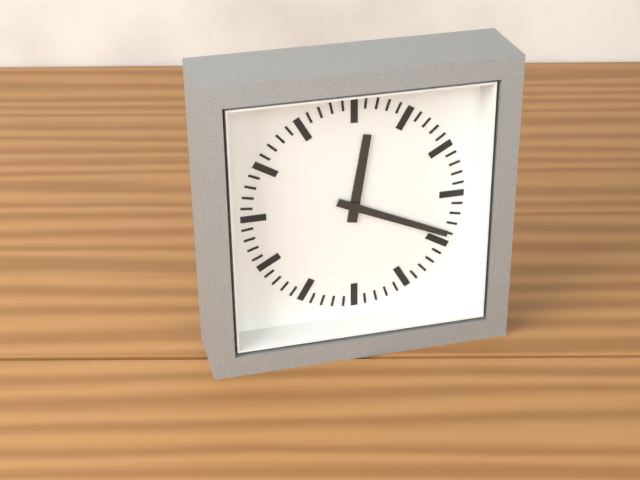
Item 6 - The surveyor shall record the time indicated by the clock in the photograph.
12:19
